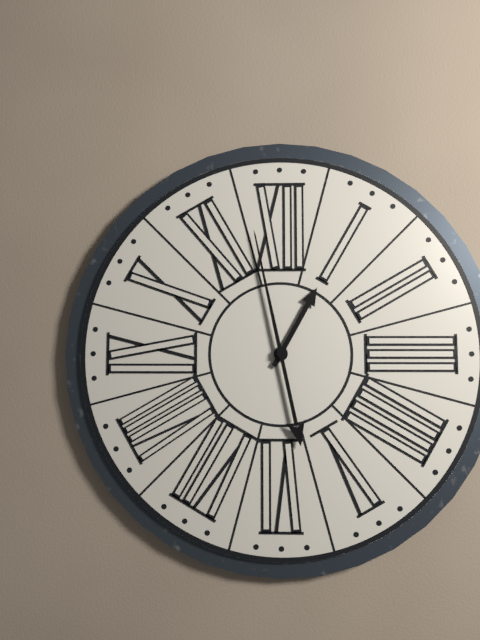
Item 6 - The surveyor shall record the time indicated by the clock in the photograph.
12:58
